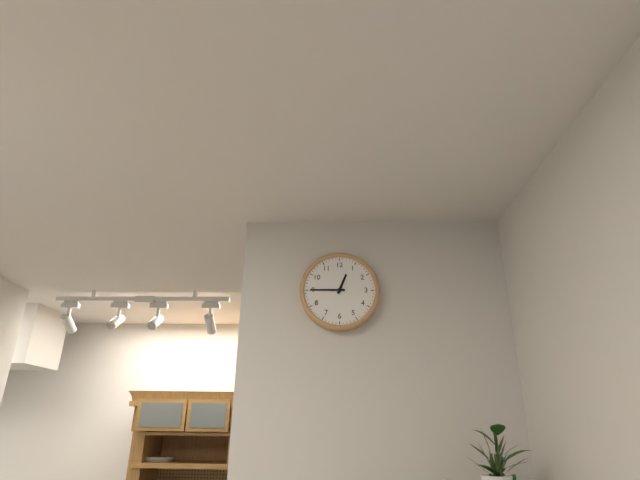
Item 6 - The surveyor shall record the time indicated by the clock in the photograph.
12:45
